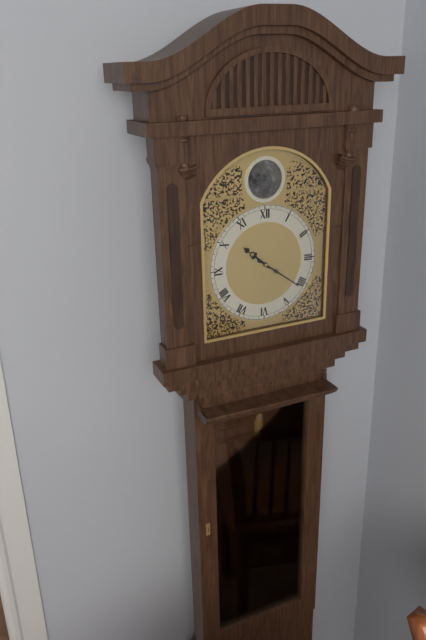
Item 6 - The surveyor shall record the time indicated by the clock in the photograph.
10:21
